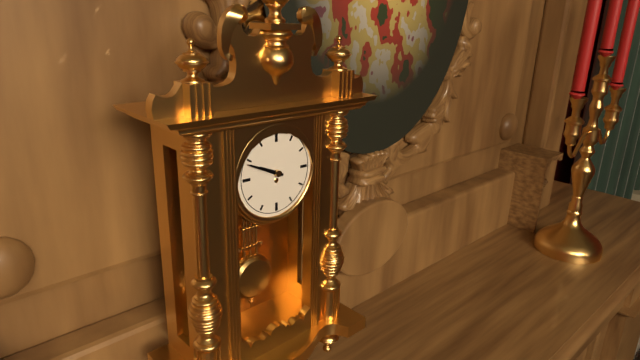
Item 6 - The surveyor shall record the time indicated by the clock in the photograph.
9:49
